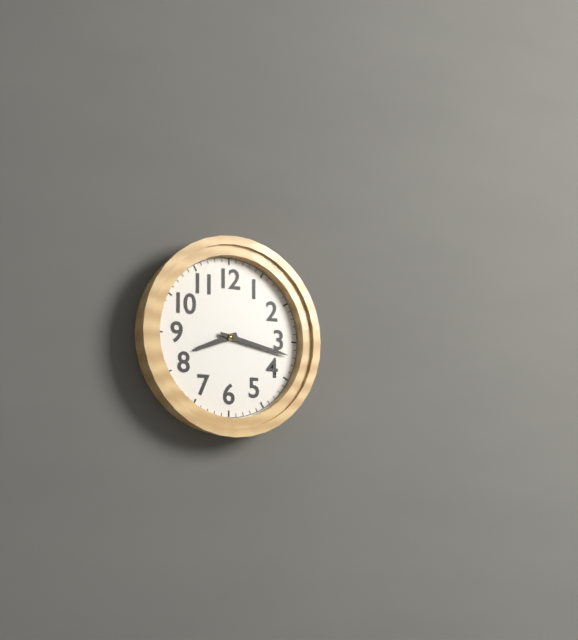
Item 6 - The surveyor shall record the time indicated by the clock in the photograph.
8:17
